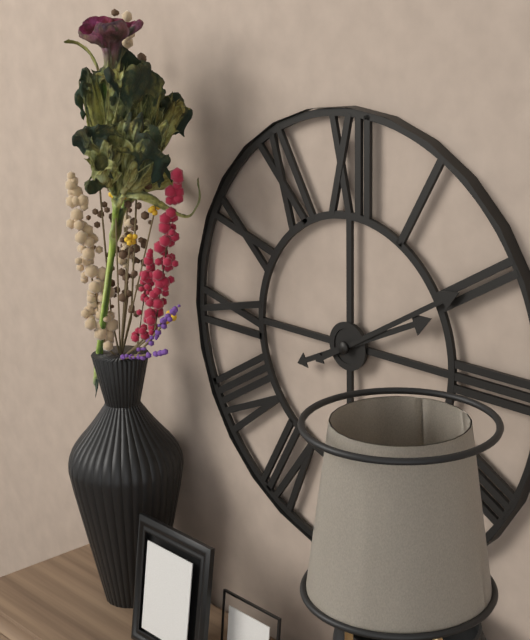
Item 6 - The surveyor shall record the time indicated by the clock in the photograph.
2:10
